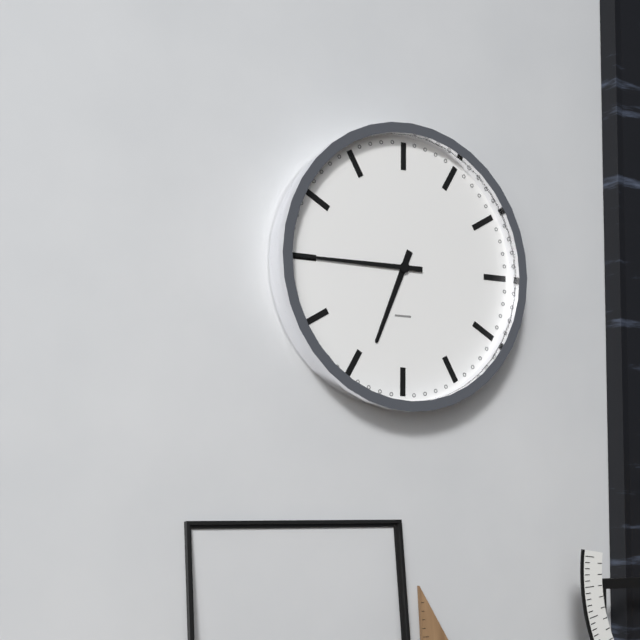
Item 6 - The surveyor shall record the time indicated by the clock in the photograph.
6:45
